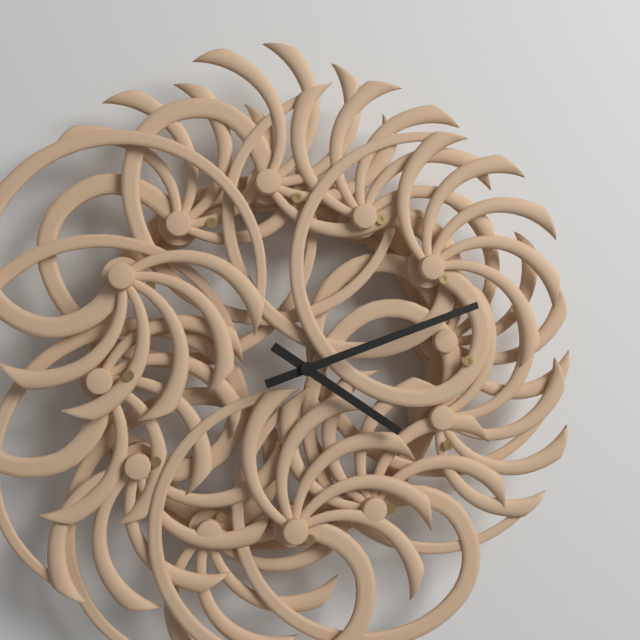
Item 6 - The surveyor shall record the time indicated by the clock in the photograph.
4:12
